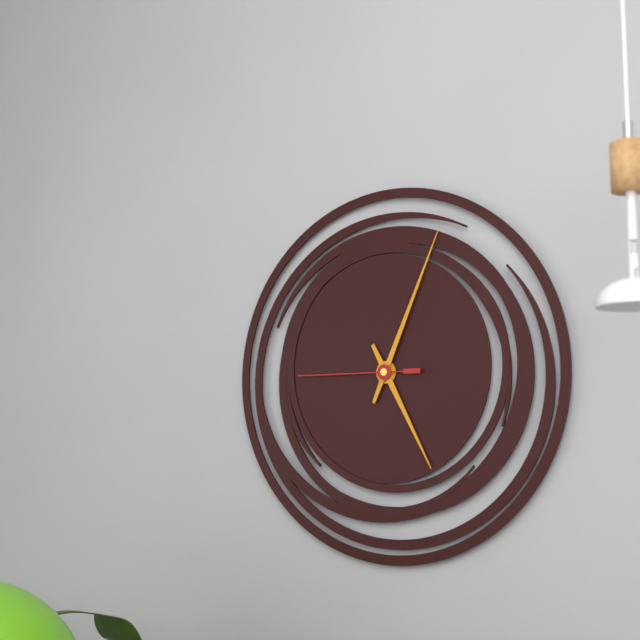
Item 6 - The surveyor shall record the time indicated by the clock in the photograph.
5:04:45
